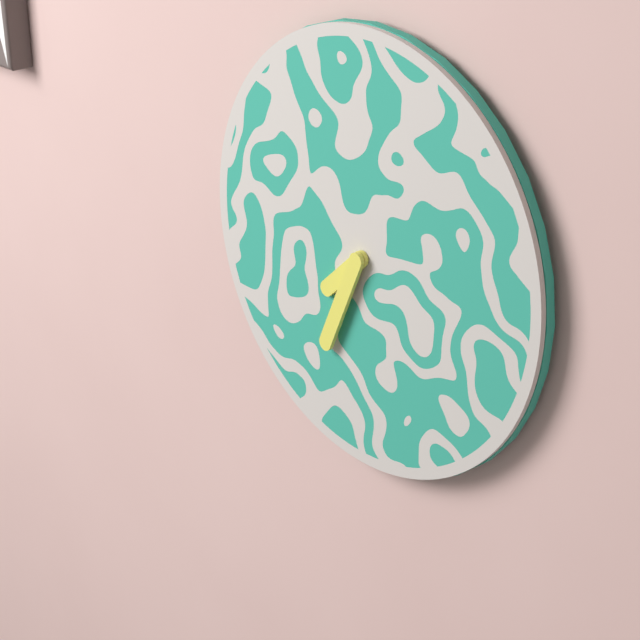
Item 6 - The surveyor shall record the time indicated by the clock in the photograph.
7:34
